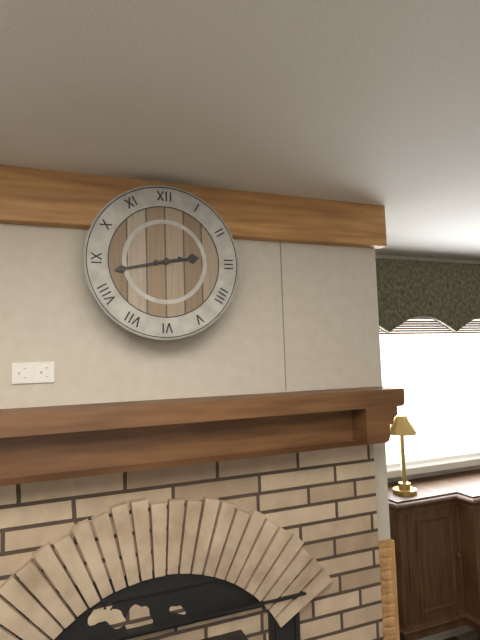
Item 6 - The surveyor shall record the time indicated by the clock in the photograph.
2:43
